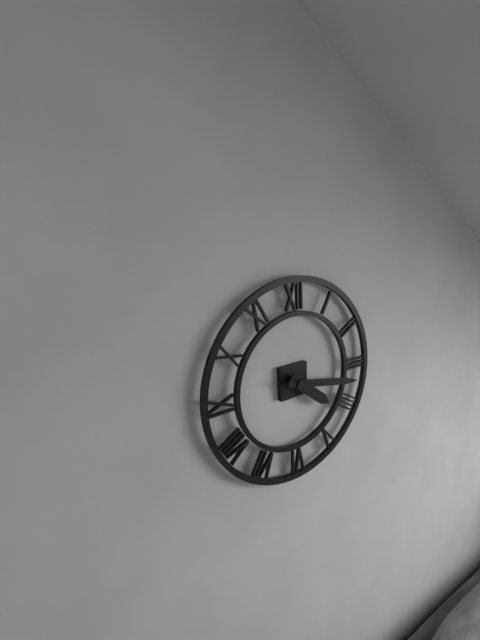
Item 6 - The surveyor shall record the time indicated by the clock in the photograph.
4:17
